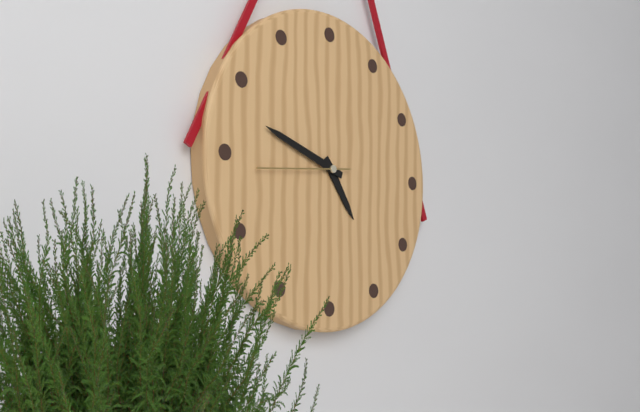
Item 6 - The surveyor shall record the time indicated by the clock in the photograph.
4:48:44
